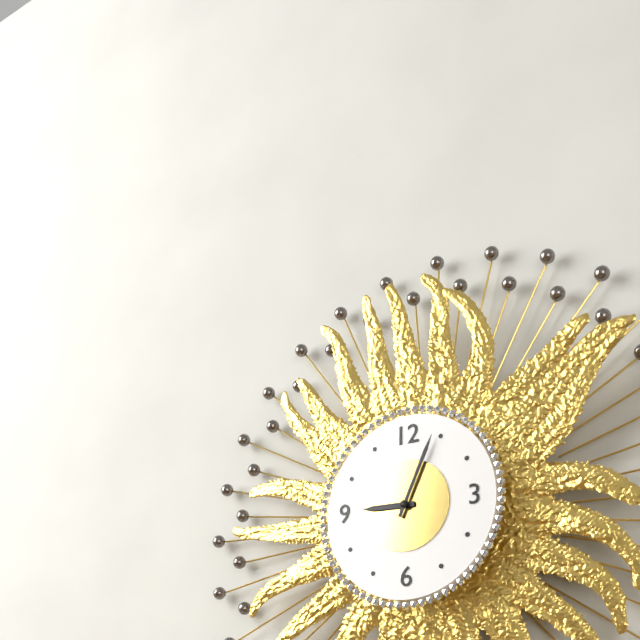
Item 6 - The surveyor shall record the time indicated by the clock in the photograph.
9:04
